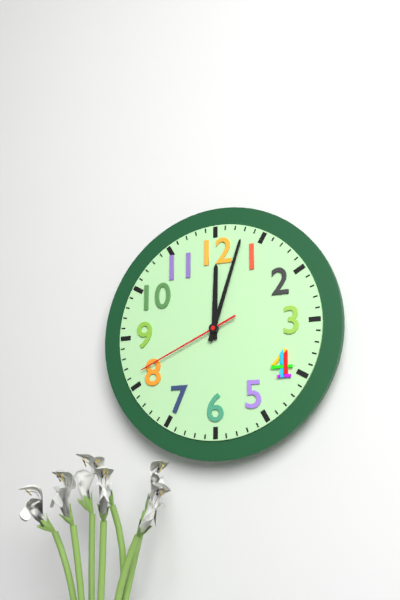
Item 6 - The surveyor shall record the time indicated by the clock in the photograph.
12:03:41
